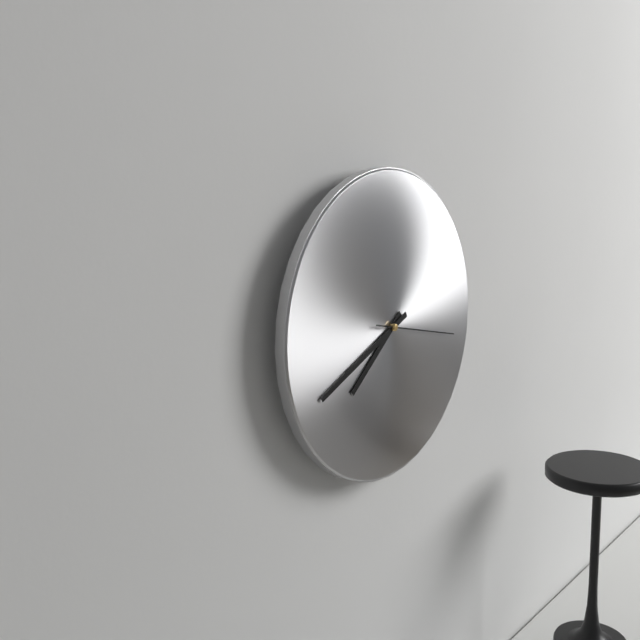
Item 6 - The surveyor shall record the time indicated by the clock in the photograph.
7:41:17
